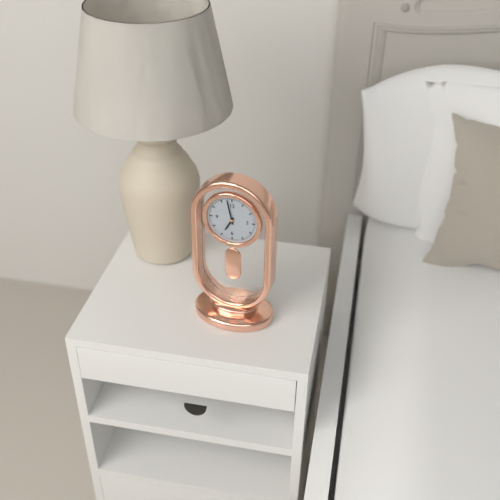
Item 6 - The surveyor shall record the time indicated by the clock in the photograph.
6:58
